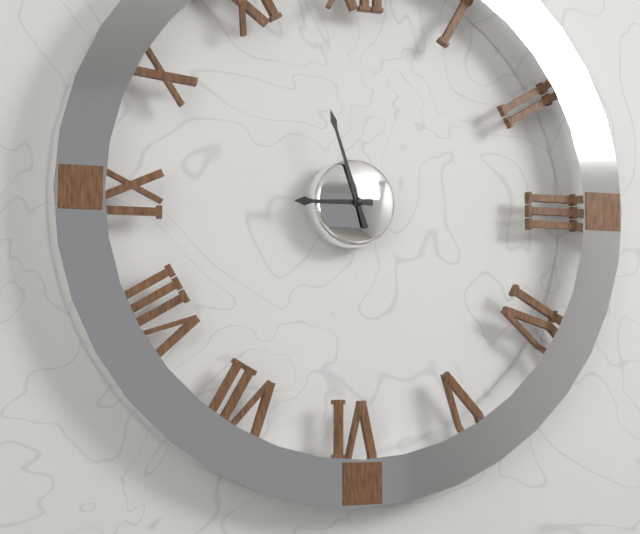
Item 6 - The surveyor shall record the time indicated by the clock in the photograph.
8:57
